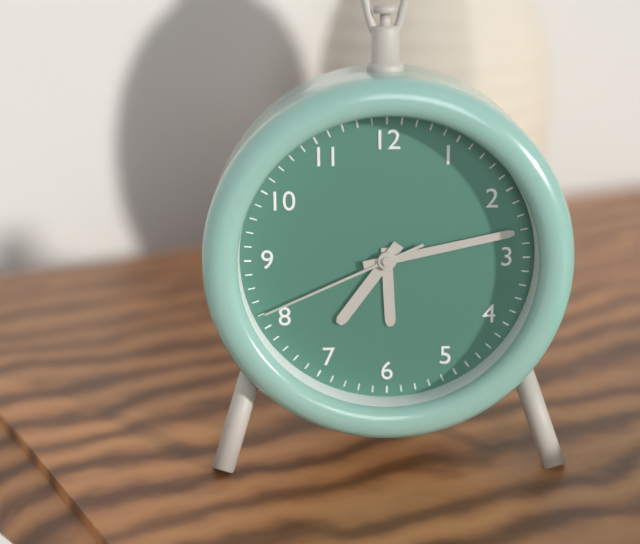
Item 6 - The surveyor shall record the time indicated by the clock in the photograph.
7:13:41
